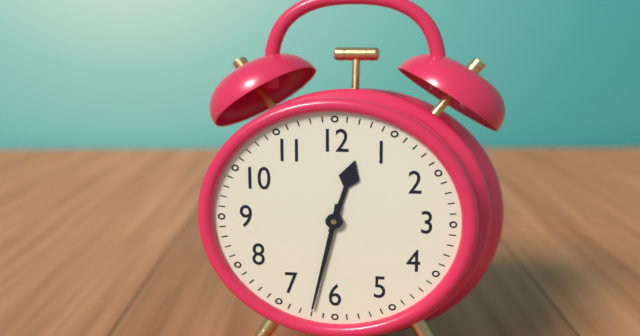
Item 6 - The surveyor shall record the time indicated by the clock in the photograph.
12:32
